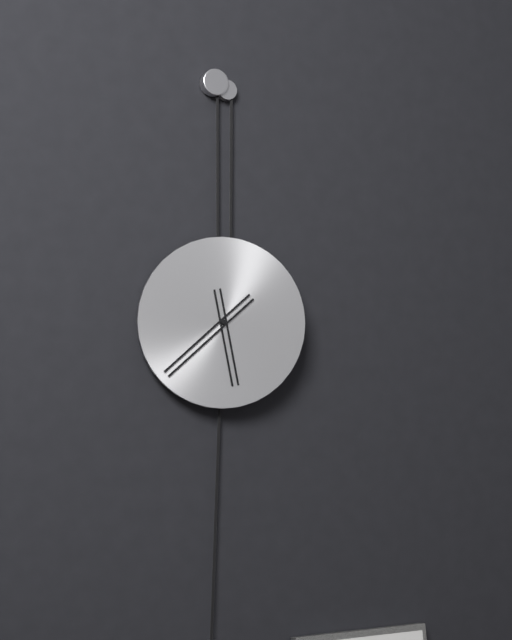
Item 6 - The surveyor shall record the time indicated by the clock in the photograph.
5:38
